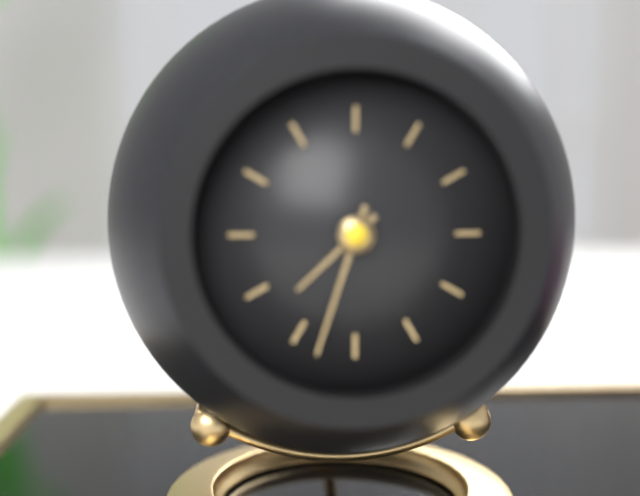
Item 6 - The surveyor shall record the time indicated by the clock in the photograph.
7:33
